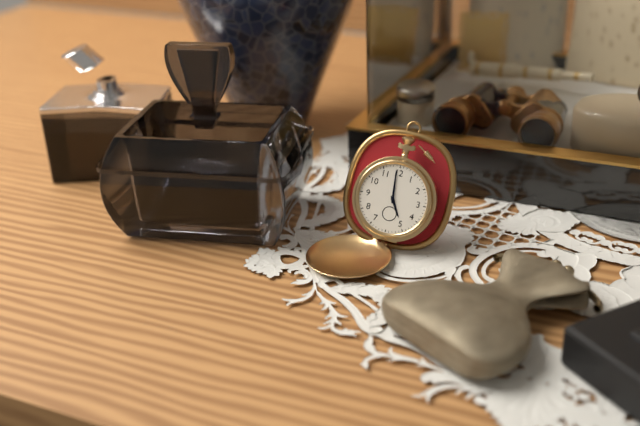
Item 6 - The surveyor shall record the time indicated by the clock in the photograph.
4:59
